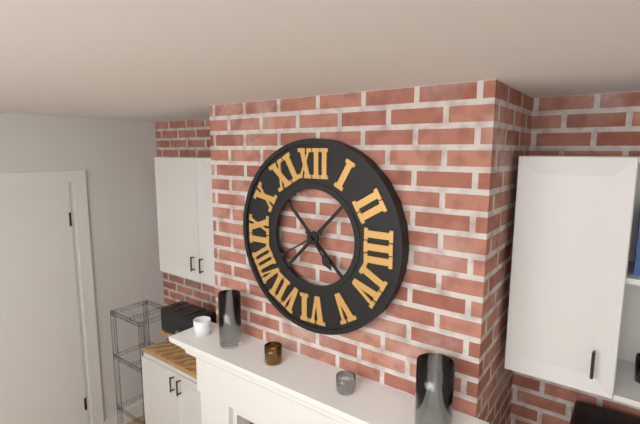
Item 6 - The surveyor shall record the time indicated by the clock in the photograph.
4:40
